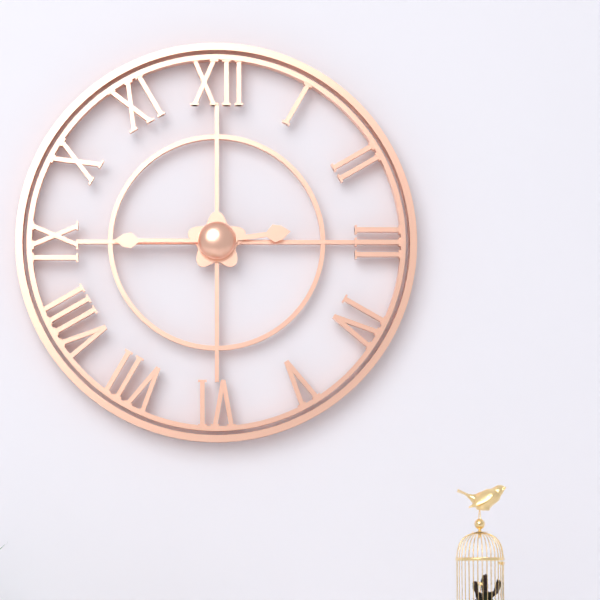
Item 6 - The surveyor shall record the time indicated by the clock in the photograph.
2:45
